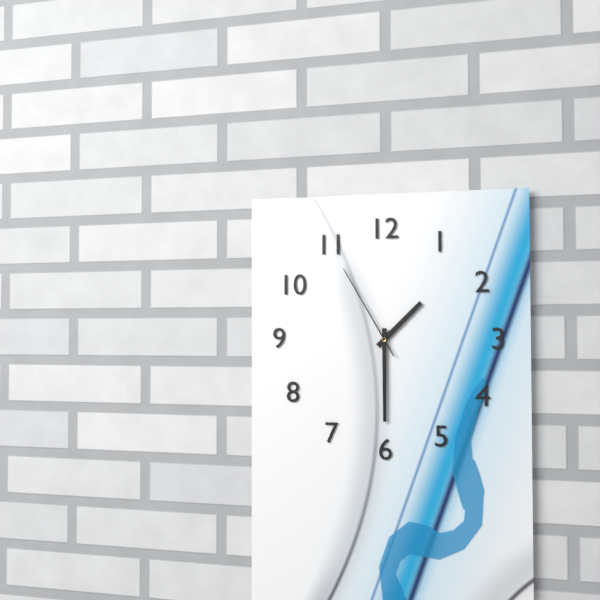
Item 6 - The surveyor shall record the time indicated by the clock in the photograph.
1:30:55
